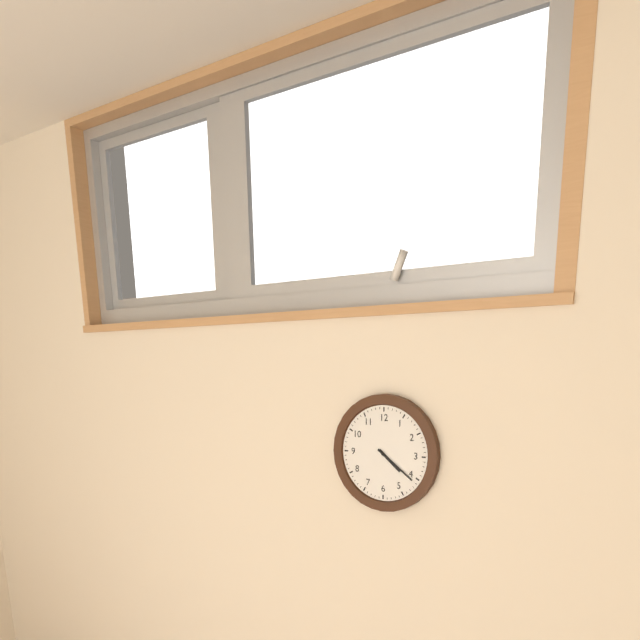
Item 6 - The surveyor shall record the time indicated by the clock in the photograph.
4:21
